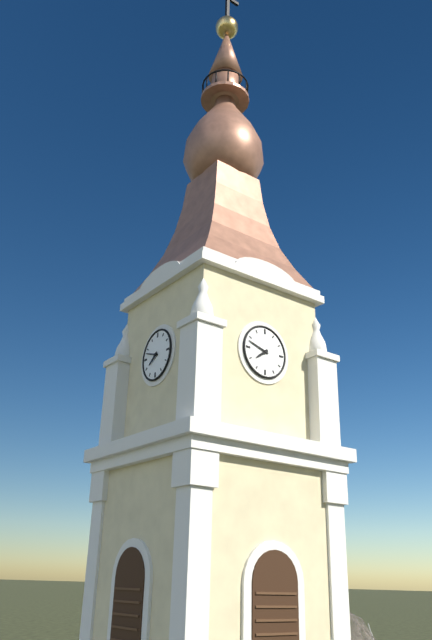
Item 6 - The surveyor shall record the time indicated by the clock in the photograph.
7:48
